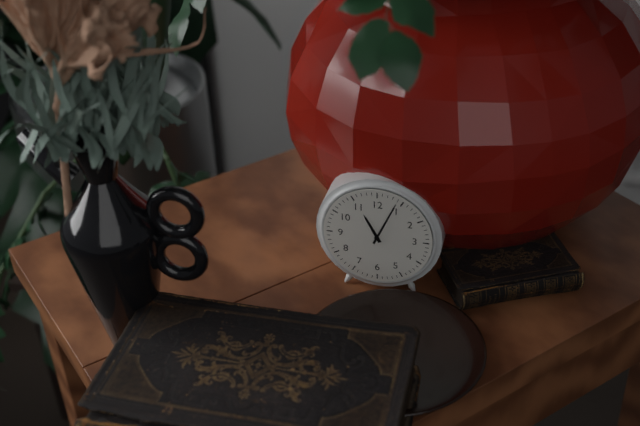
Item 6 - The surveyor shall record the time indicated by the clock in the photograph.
11:04
